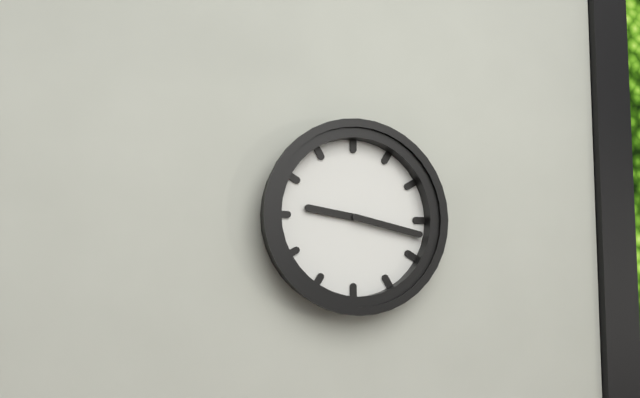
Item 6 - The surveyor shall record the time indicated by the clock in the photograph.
9:17
